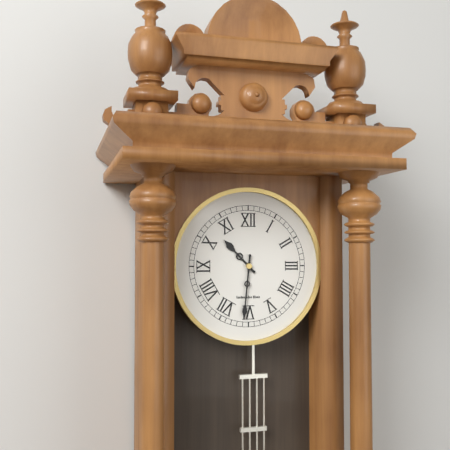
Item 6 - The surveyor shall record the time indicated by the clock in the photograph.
10:31
